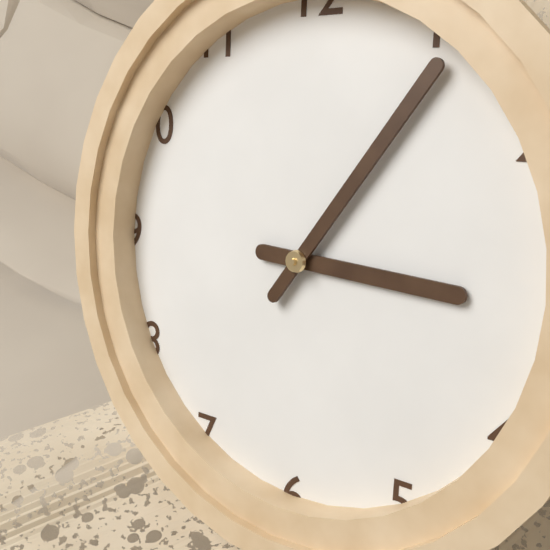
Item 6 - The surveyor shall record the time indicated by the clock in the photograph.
3:06
